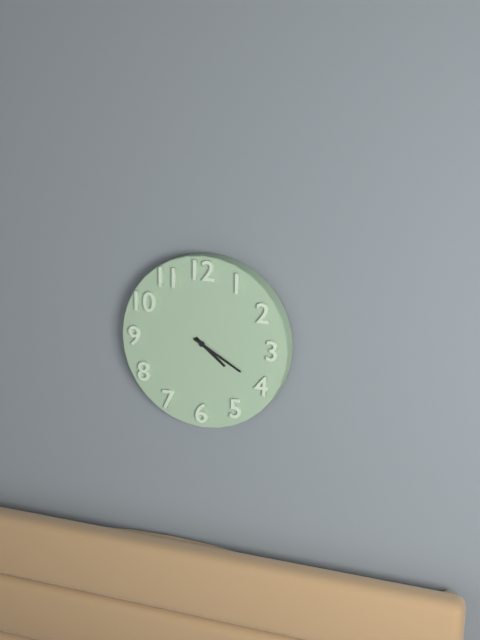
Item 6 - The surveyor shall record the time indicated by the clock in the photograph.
4:20
